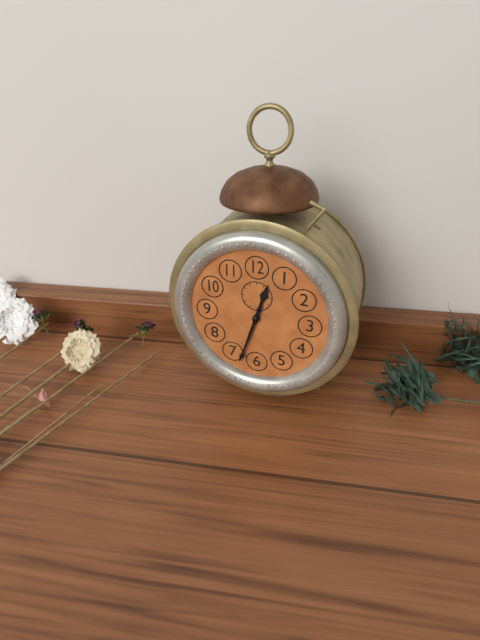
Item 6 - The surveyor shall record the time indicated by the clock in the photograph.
12:33
